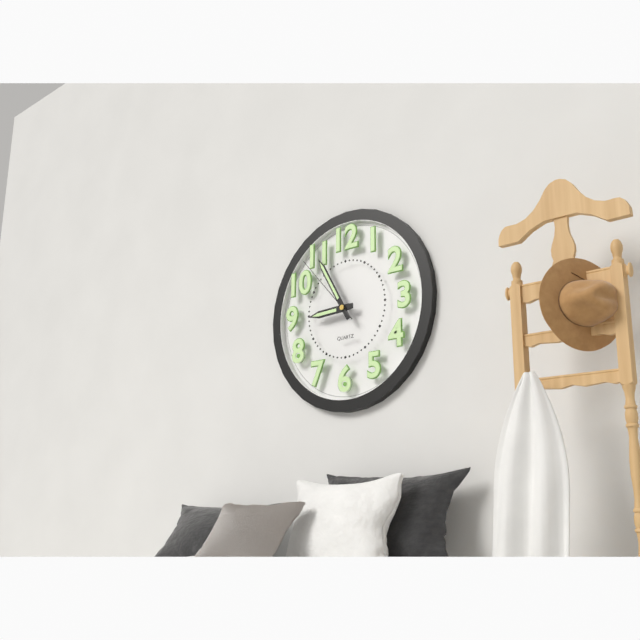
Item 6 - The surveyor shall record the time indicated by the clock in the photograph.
8:55:53
